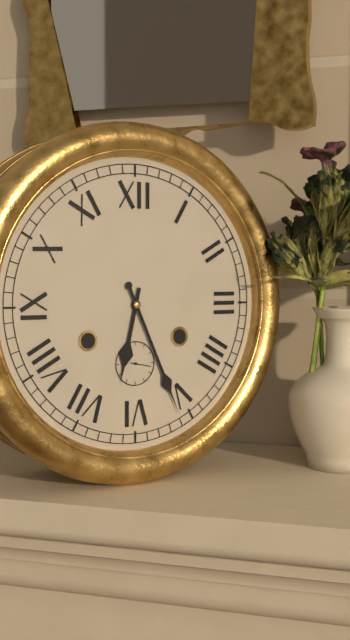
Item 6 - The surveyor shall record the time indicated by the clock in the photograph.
6:26
